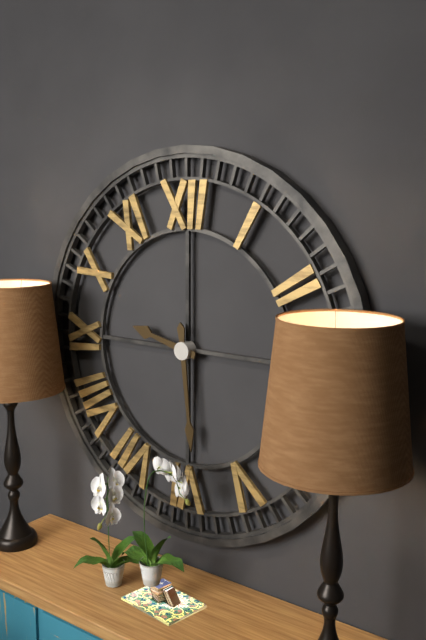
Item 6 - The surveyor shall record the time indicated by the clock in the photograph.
9:29
